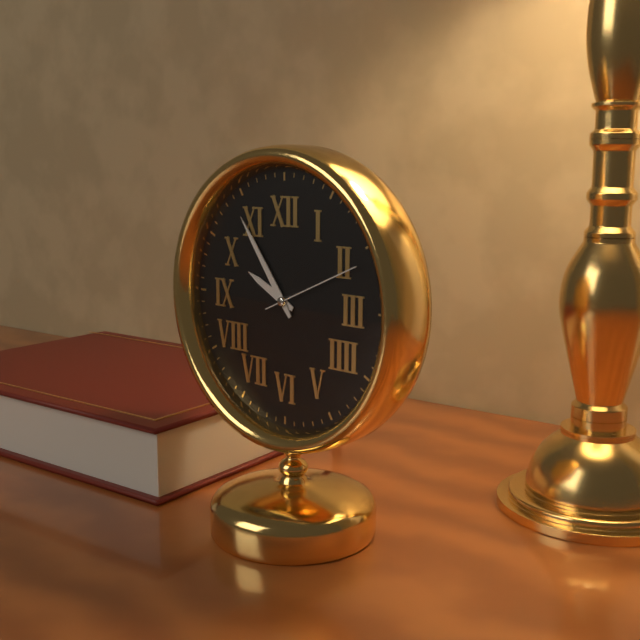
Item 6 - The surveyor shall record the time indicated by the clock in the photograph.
9:54:11
